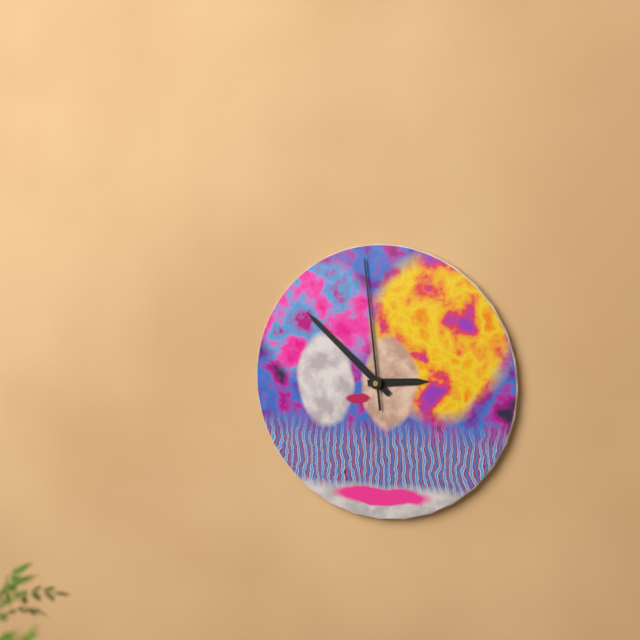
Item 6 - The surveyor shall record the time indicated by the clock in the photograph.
2:52:59
